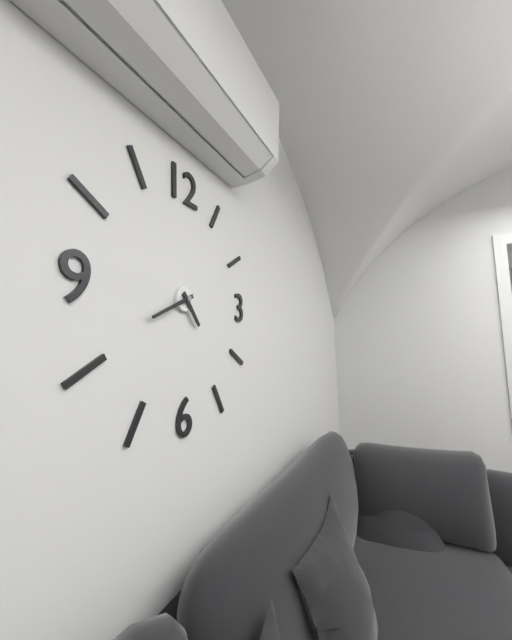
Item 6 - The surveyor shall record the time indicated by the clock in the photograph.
4:41
